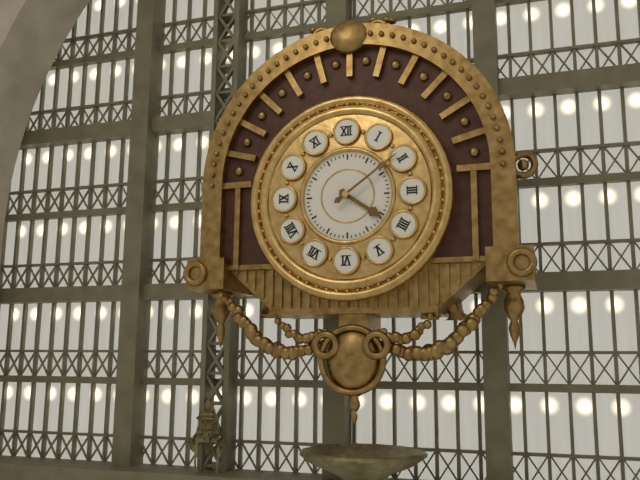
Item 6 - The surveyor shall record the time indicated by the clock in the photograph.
4:09
